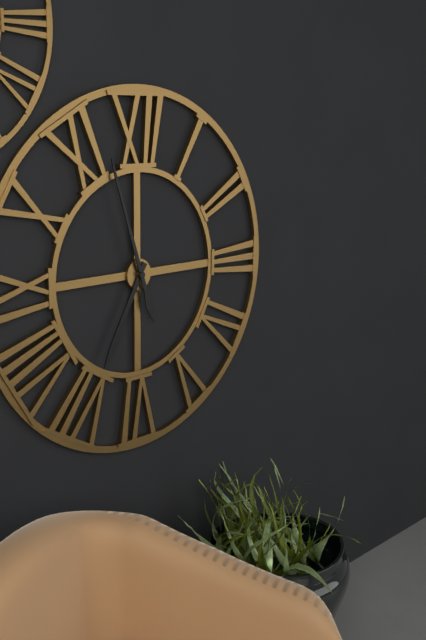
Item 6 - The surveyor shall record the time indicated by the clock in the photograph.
6:57
